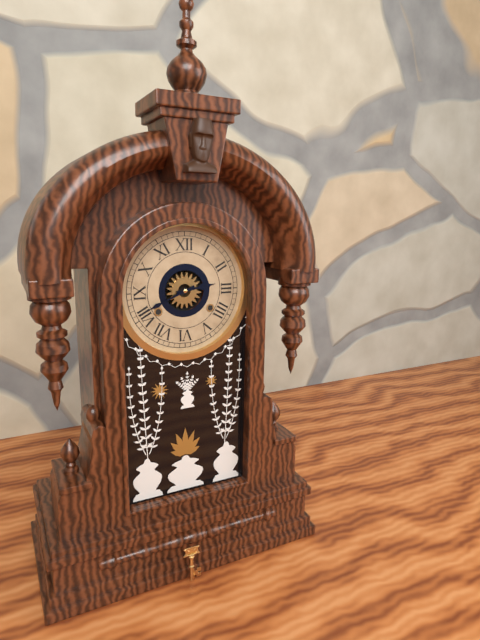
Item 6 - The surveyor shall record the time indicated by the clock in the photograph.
2:41
